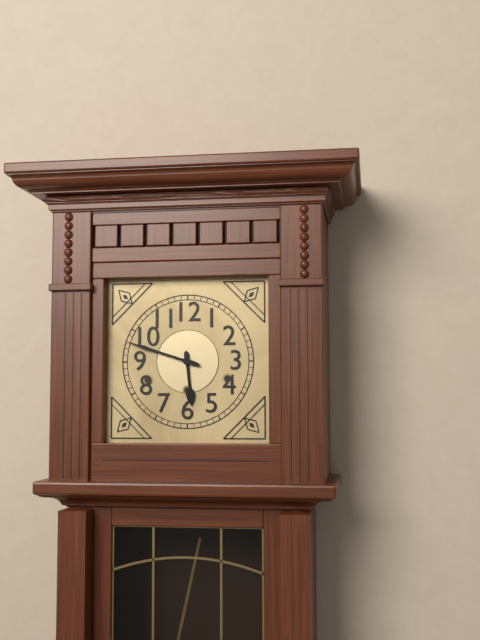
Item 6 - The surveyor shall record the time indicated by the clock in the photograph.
5:48
